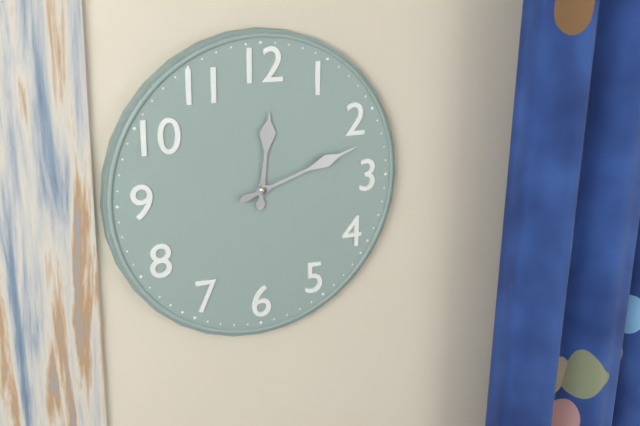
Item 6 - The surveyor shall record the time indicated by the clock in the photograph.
12:12
